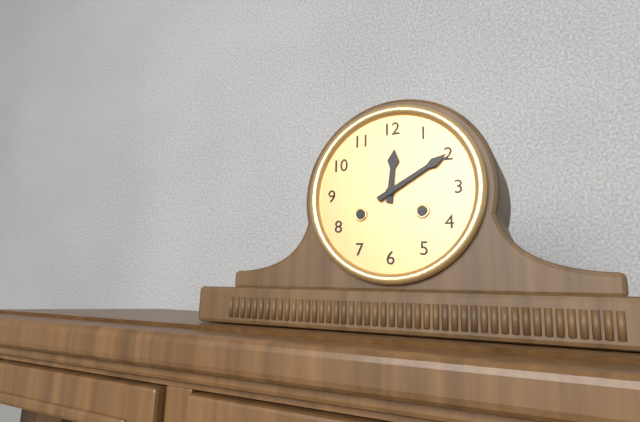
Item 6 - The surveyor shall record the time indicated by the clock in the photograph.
12:10
